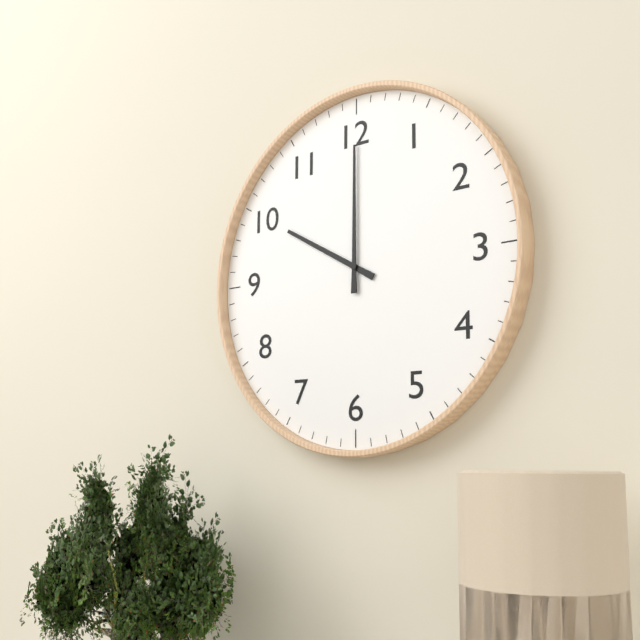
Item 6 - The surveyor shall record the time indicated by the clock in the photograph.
10:00
